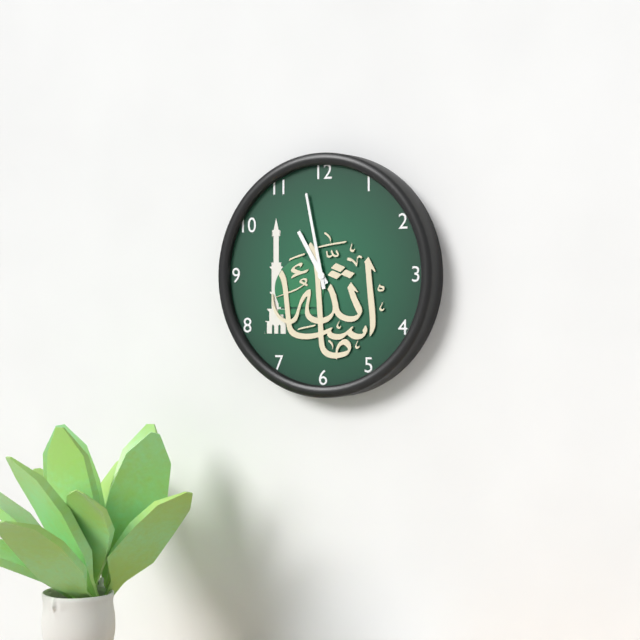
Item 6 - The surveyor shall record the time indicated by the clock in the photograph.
10:58
